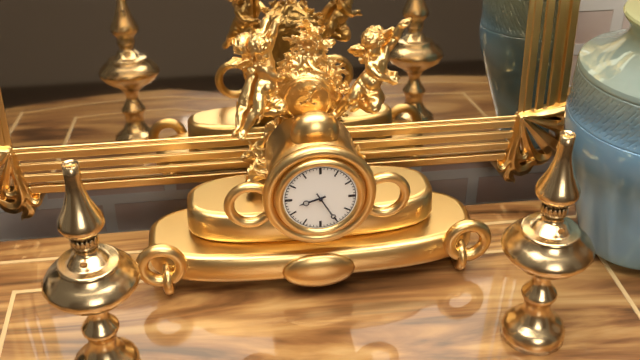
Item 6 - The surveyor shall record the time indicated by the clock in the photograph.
8:25
